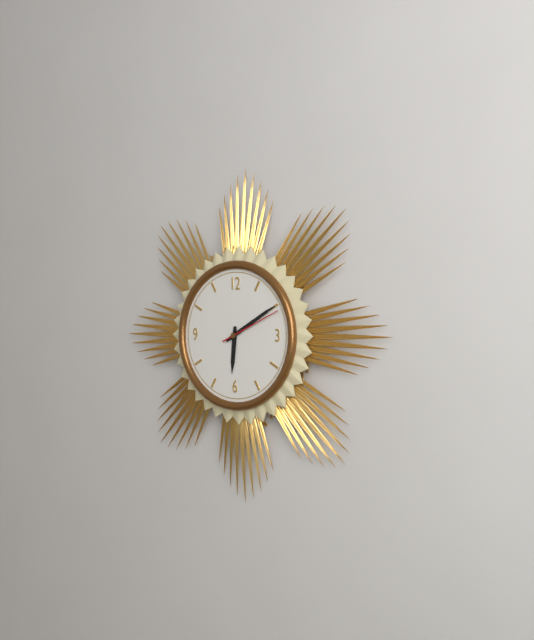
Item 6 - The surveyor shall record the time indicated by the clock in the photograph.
6:10:11
